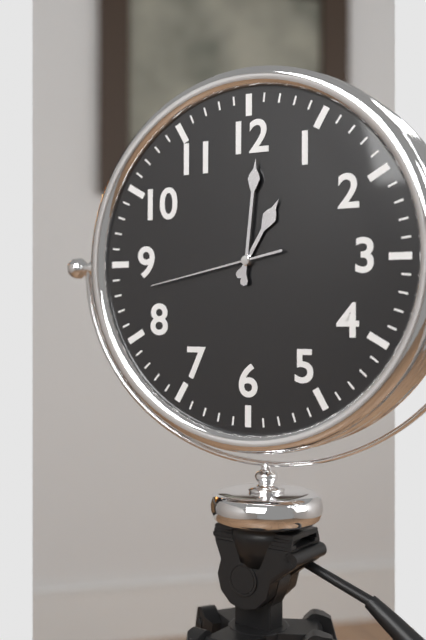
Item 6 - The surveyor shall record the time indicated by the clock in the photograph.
1:01:43
